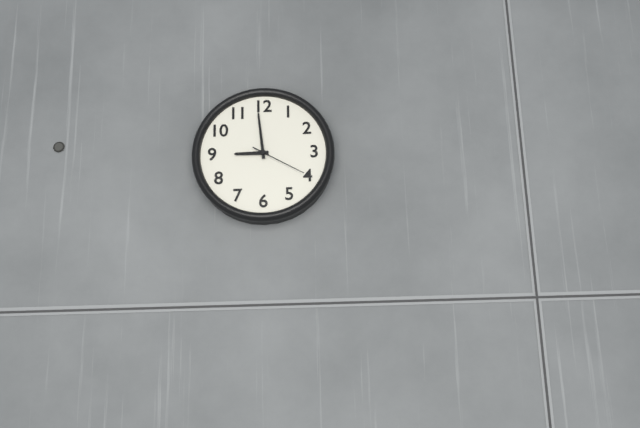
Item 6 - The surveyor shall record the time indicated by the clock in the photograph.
8:59:20
